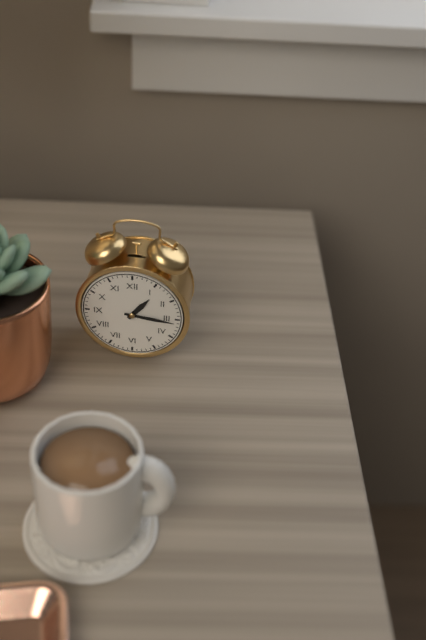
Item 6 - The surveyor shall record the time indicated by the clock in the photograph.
1:16
